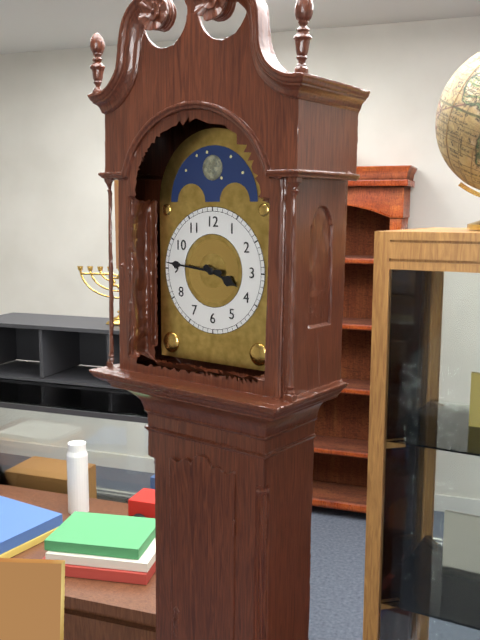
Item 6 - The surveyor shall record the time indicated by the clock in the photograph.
3:46
